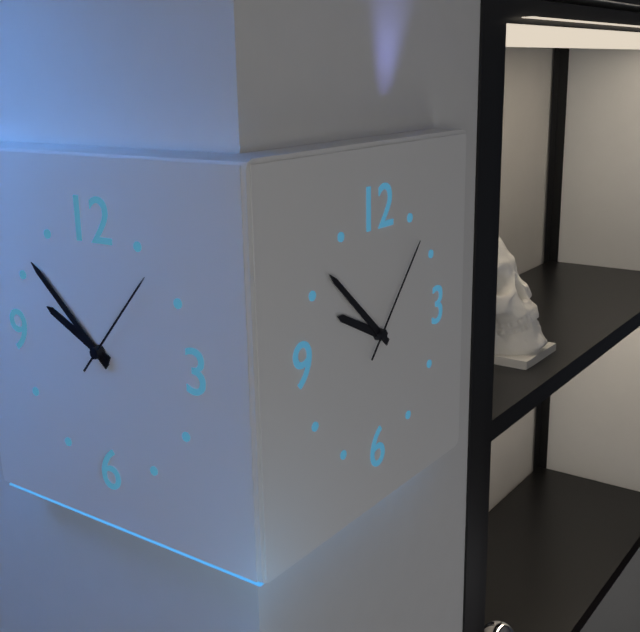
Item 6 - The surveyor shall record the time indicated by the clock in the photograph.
9:52:07
